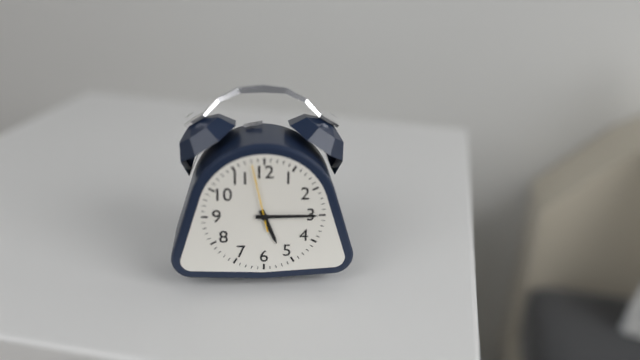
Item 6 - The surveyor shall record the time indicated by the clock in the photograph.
5:15
